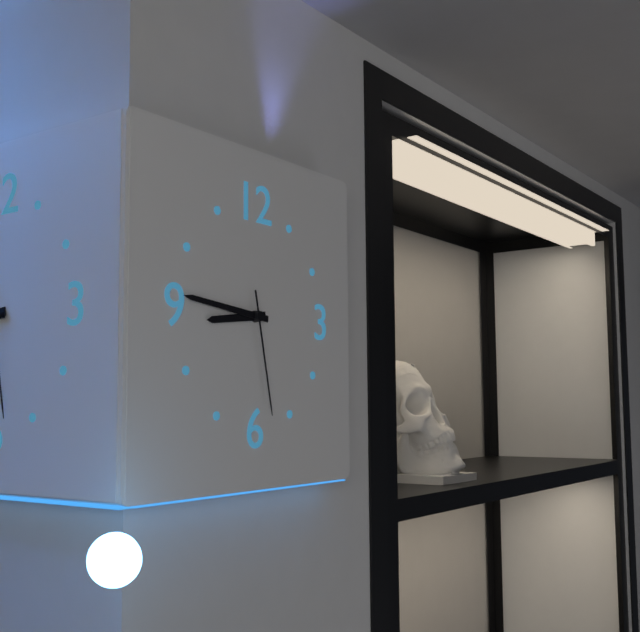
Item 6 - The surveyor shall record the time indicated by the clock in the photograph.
8:46:28
